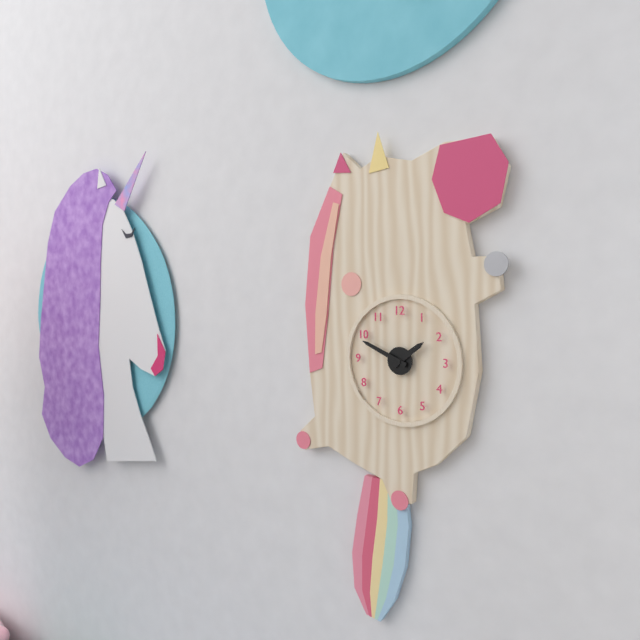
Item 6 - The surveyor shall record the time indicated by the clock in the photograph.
1:49
